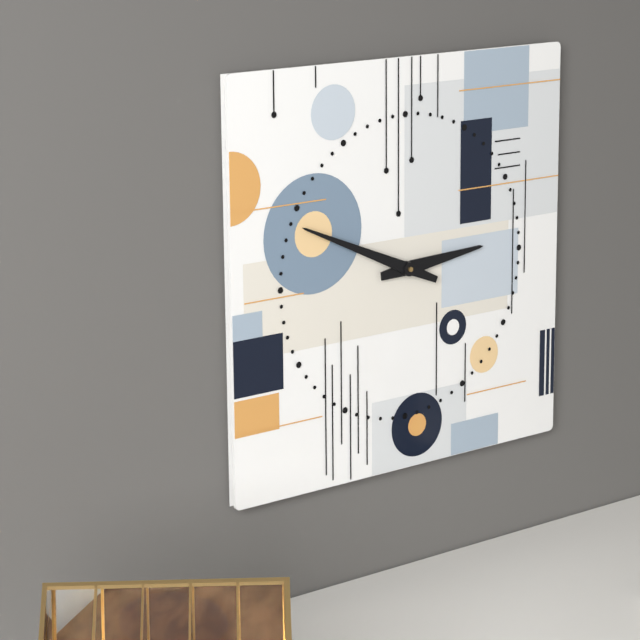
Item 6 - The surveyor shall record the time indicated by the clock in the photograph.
2:49
